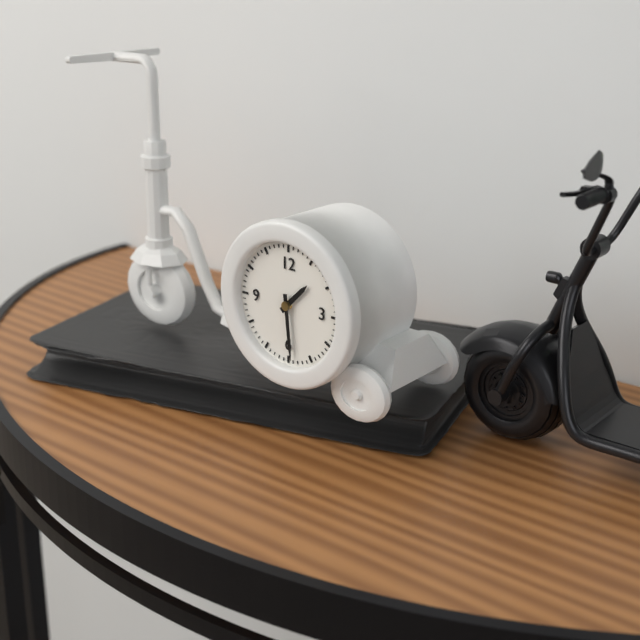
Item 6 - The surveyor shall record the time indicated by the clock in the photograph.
1:29
